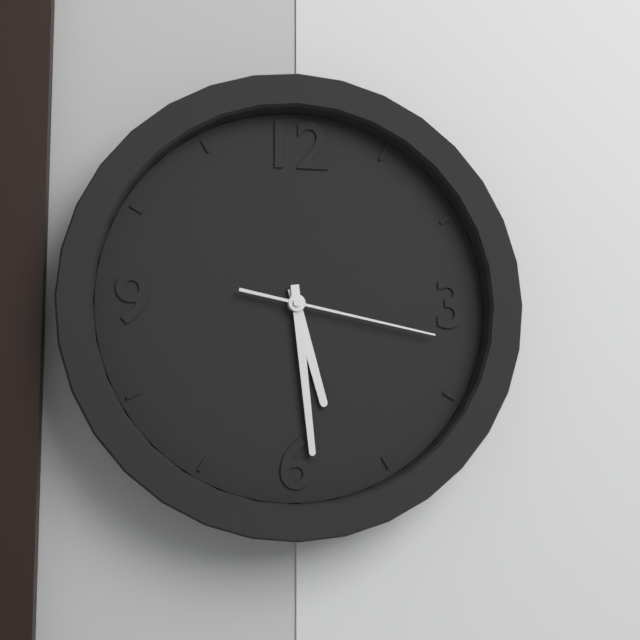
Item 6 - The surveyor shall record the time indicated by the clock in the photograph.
5:29:17
